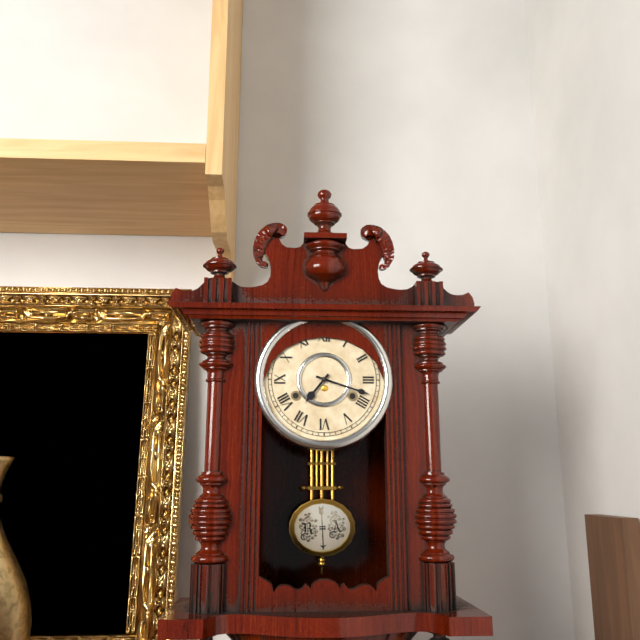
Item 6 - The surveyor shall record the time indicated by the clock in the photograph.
7:18
